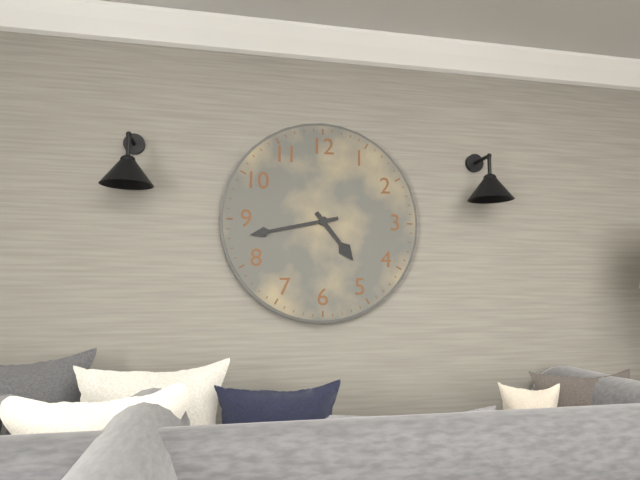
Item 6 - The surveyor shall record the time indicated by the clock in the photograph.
4:43
